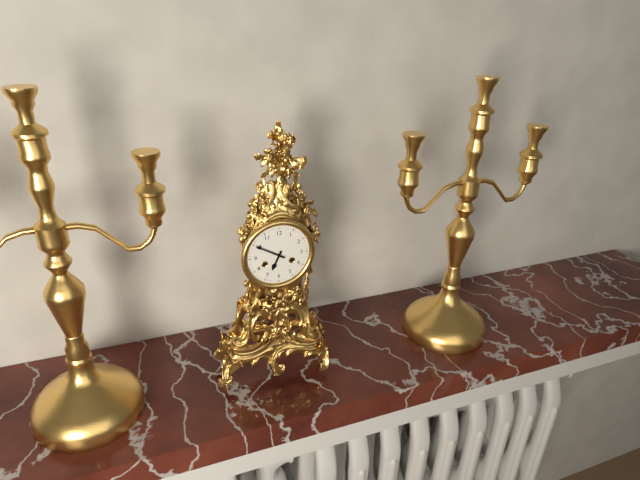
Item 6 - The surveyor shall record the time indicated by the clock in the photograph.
6:50
